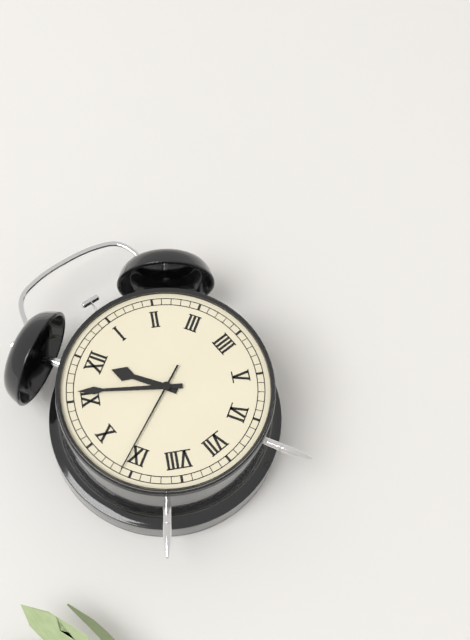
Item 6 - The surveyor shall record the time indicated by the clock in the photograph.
11:56:46
